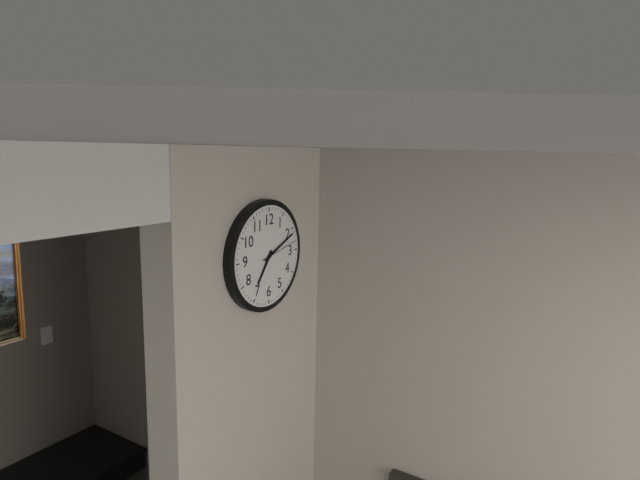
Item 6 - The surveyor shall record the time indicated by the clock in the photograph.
7:11
